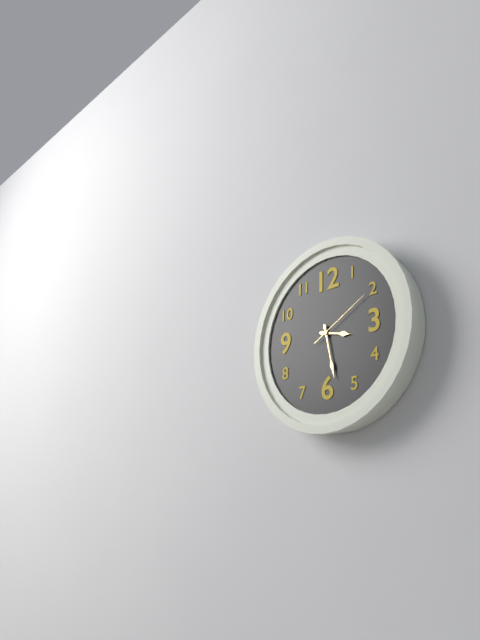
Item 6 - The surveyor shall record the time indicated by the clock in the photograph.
3:28:10
